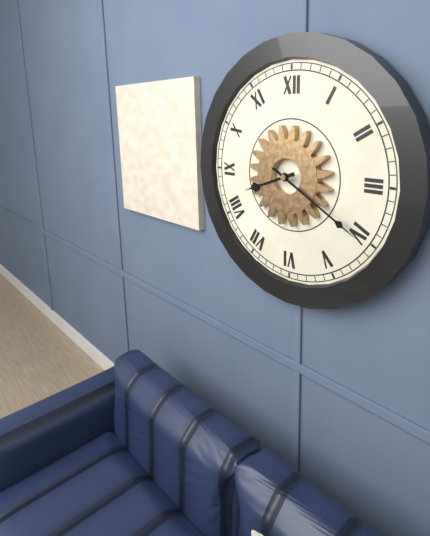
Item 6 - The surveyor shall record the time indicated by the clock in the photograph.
8:20
